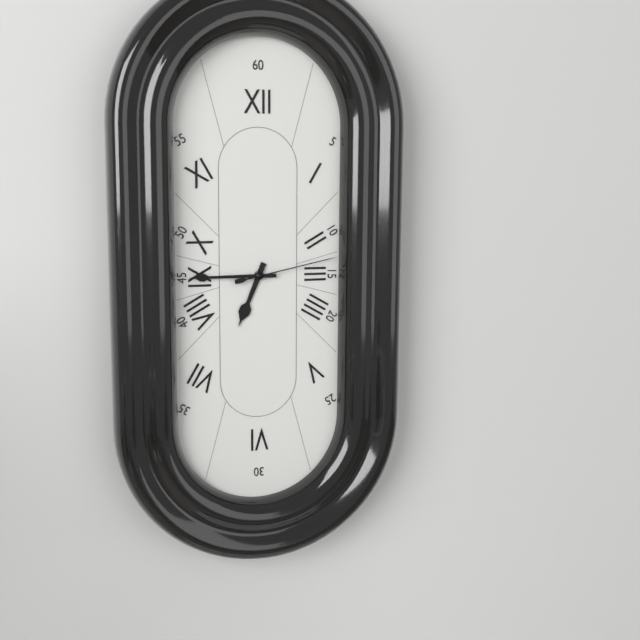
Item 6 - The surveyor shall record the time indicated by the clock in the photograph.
6:45:13
